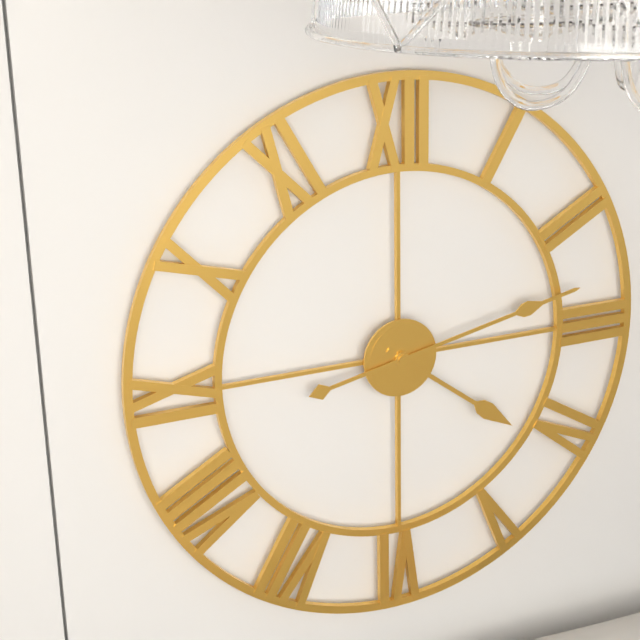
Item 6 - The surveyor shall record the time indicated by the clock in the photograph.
4:13
